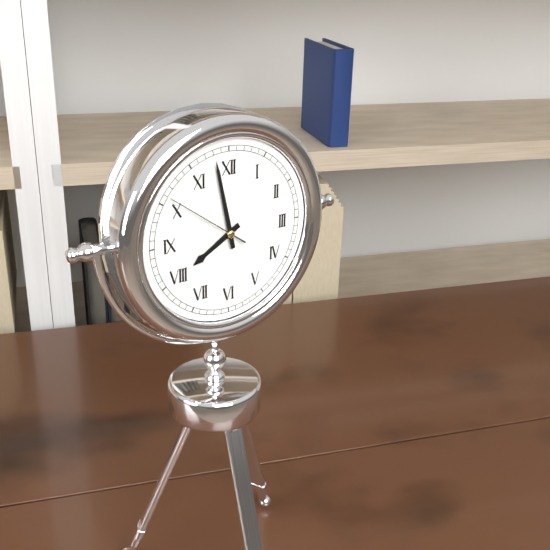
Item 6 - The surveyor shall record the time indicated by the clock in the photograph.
7:58:51
